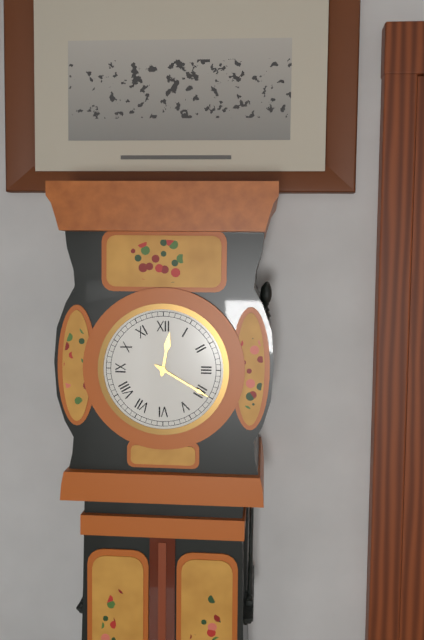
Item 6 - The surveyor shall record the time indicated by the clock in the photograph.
12:20
